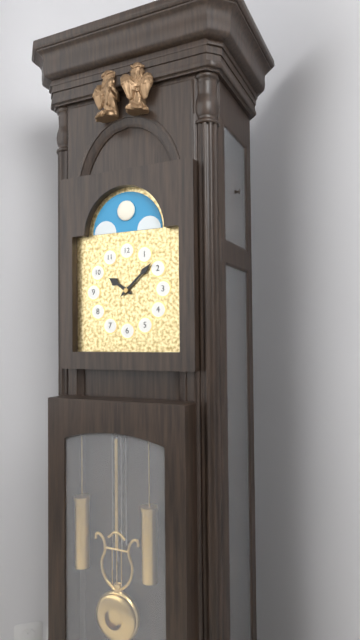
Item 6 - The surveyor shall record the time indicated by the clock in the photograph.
10:08
